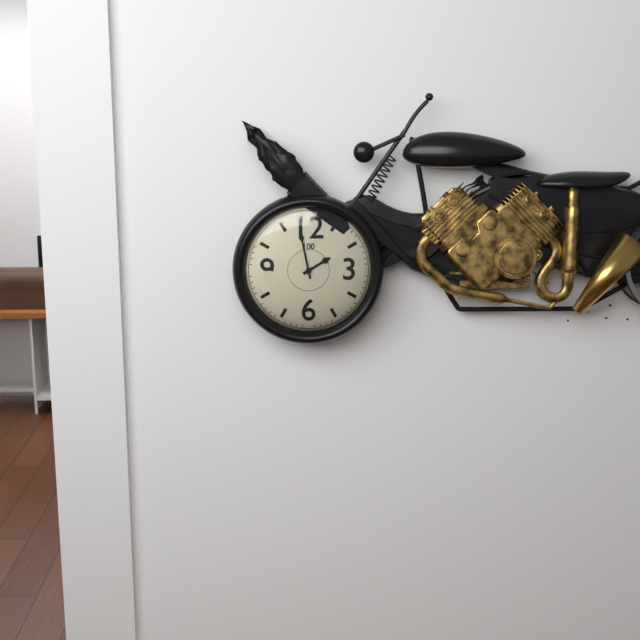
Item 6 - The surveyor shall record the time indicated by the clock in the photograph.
1:58
